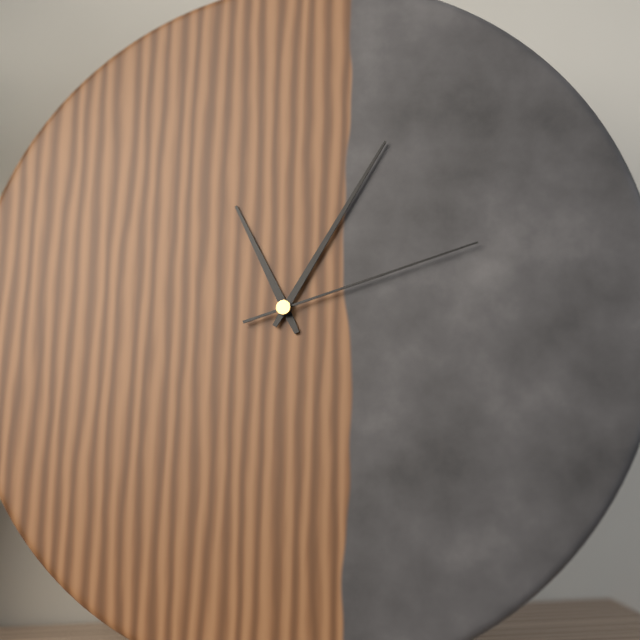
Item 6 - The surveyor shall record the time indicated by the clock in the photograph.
11:05:12
